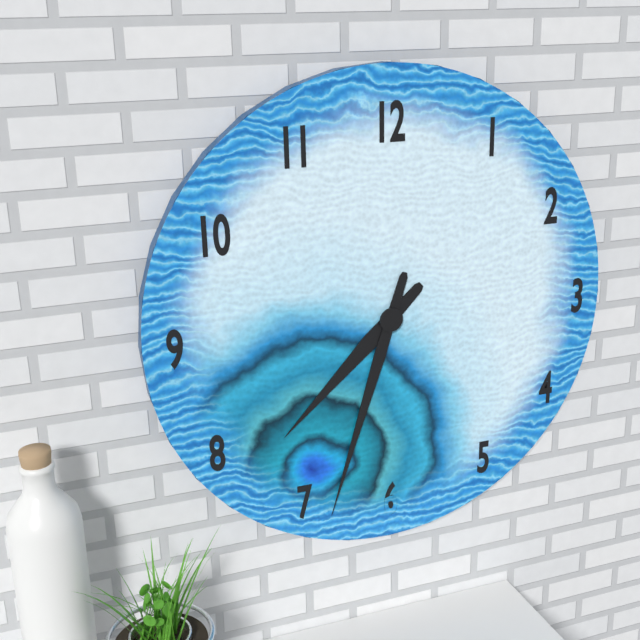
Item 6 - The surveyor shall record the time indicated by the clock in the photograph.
7:33
